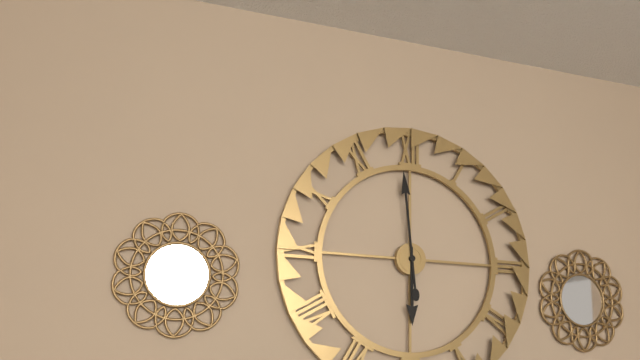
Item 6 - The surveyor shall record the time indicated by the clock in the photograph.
5:59
